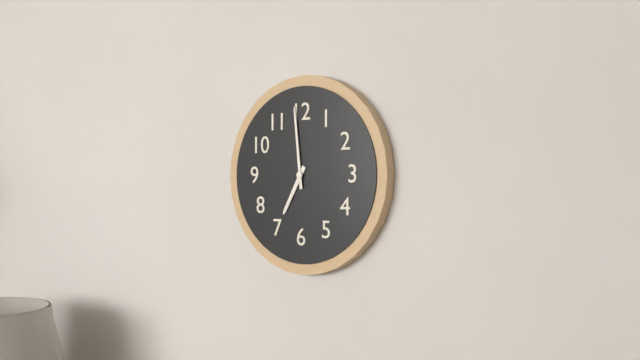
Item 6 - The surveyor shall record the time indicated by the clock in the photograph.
6:59
